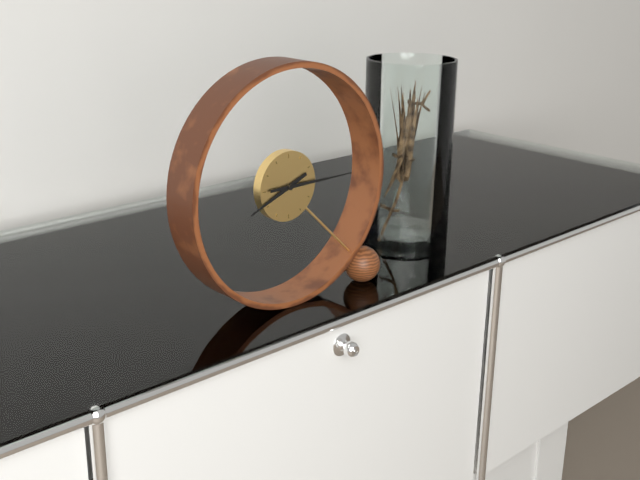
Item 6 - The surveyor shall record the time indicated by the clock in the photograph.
8:15
